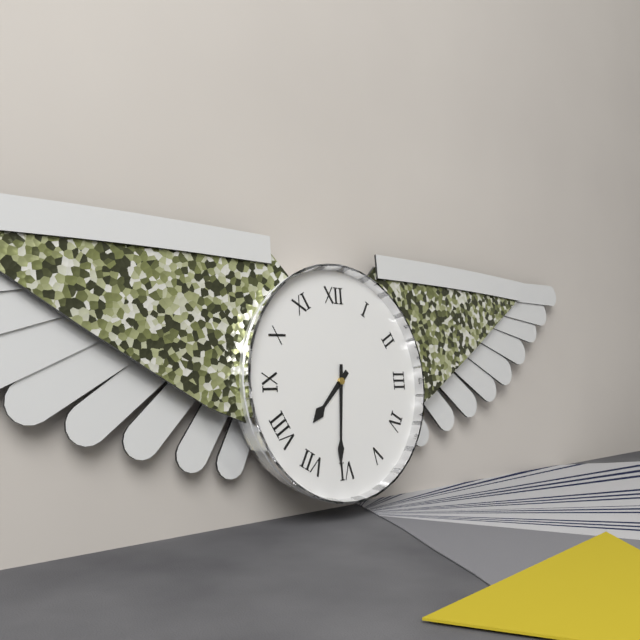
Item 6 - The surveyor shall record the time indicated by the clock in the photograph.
7:31
